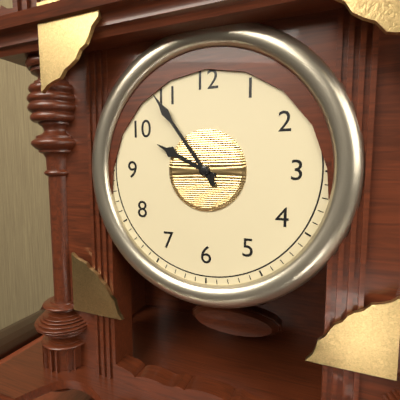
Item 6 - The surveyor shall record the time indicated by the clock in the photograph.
9:54
